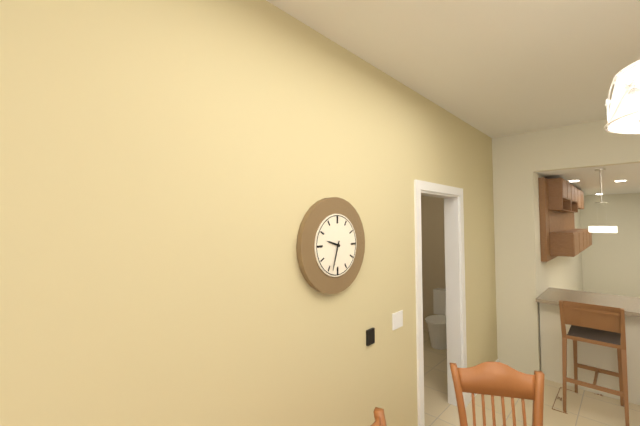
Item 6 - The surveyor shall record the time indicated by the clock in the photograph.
9:33
